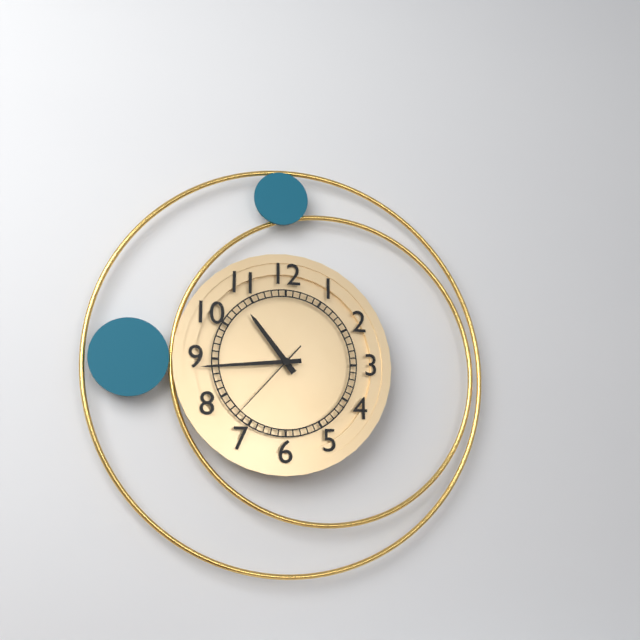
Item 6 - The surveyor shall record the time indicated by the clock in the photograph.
10:44:37
